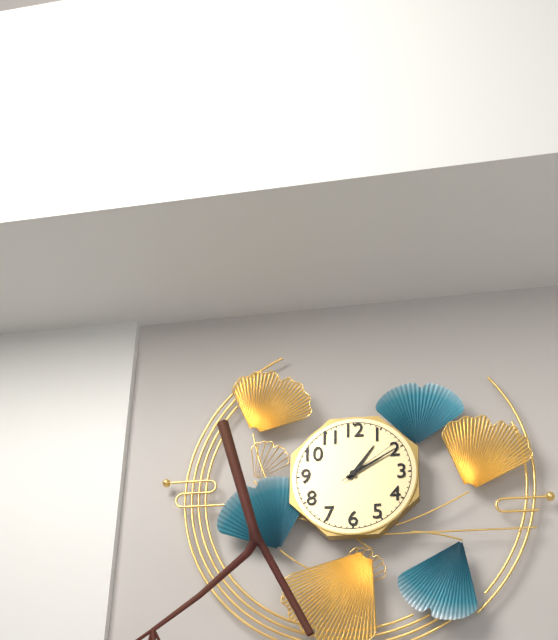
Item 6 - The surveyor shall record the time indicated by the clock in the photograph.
1:10:09
